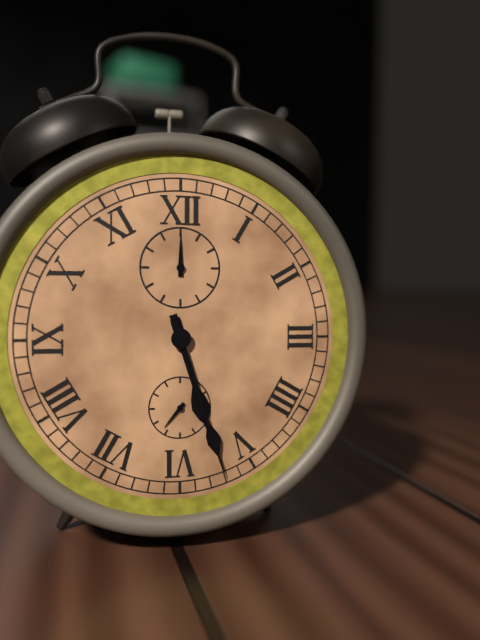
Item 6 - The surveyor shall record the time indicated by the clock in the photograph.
5:27
